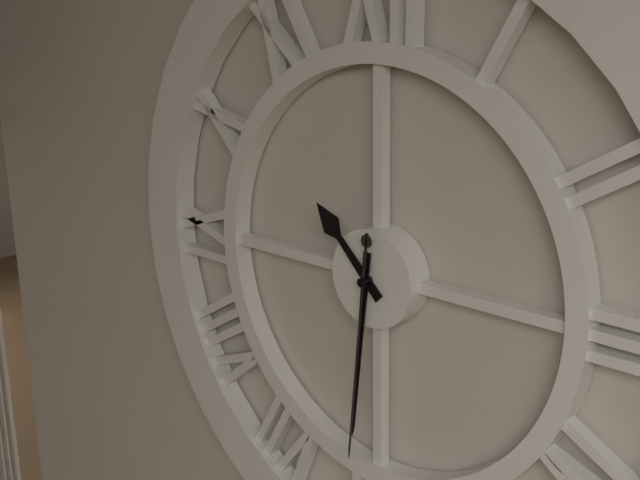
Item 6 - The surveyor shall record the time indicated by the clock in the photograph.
10:31:31
